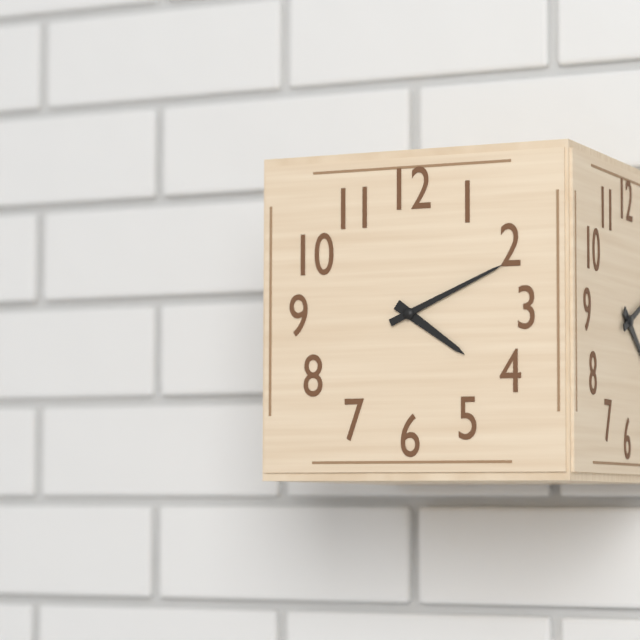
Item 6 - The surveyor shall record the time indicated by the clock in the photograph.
4:11
